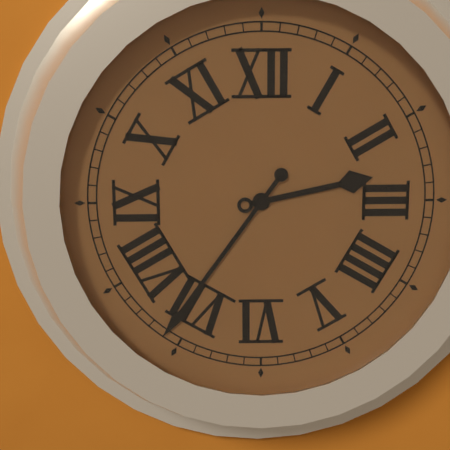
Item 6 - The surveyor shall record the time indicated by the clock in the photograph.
2:36
